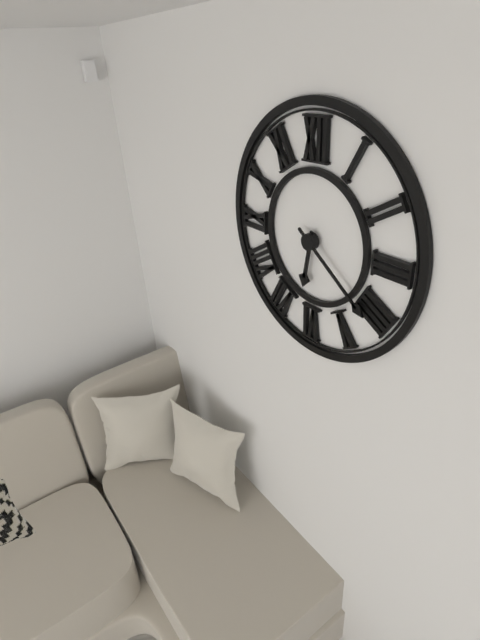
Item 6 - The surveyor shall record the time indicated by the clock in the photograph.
6:21
